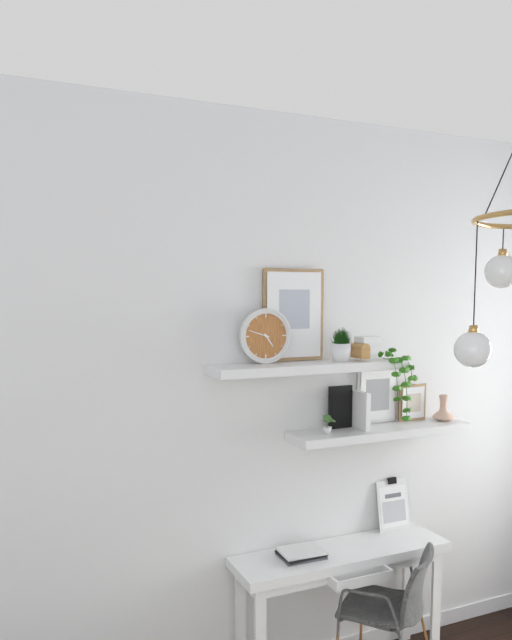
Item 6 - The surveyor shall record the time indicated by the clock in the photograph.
4:48
